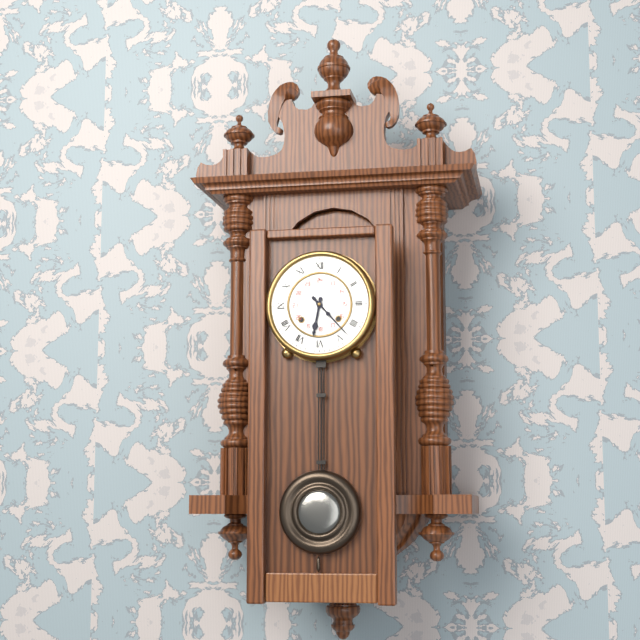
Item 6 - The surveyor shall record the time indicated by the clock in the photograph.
6:23
